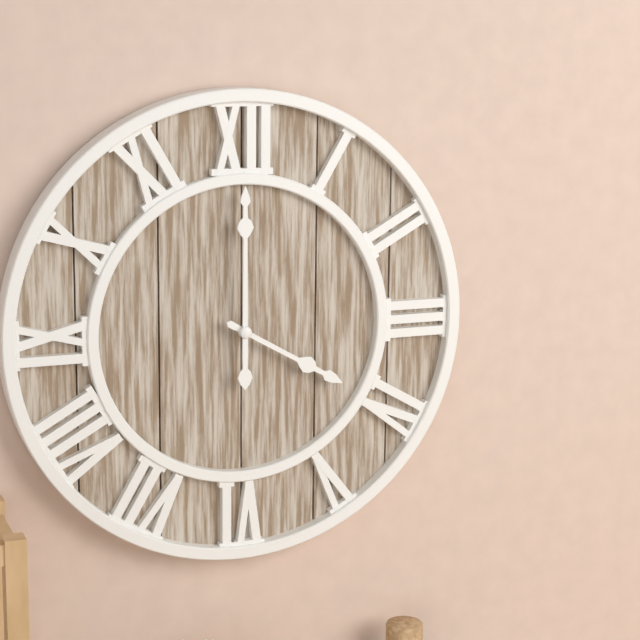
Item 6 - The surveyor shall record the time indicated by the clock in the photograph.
4:00
